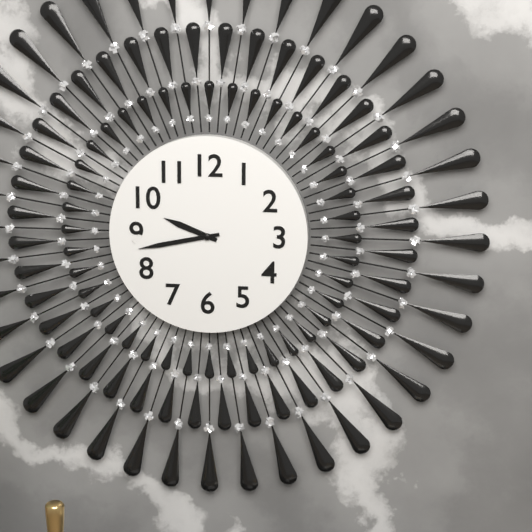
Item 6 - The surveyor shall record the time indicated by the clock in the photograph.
9:43
